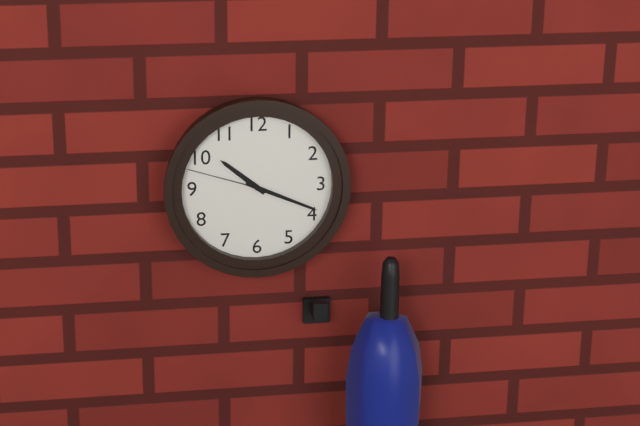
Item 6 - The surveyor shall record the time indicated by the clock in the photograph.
10:19:48
